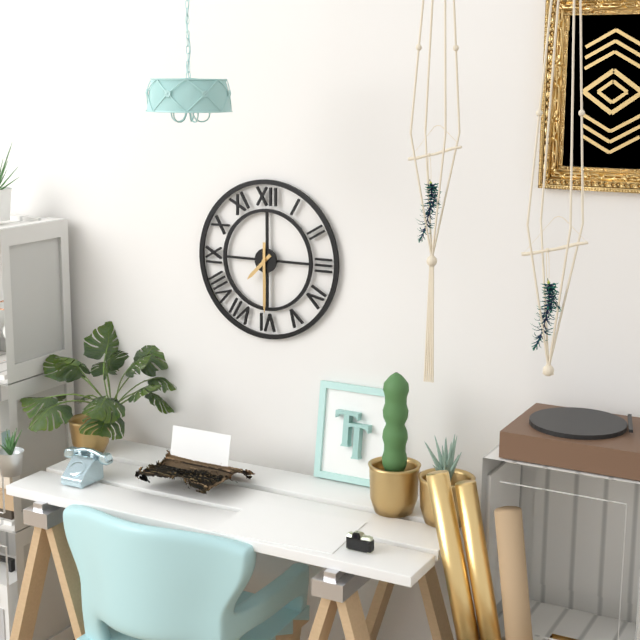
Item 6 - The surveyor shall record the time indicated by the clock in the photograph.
7:30
